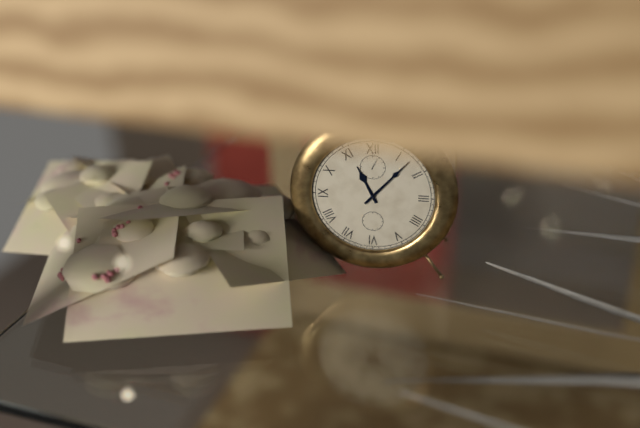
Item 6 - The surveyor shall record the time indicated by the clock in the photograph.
11:07
